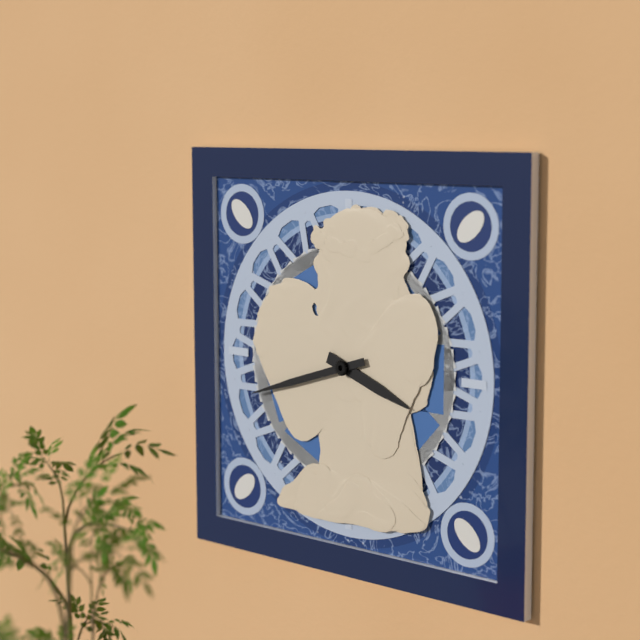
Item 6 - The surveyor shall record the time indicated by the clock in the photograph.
3:42
